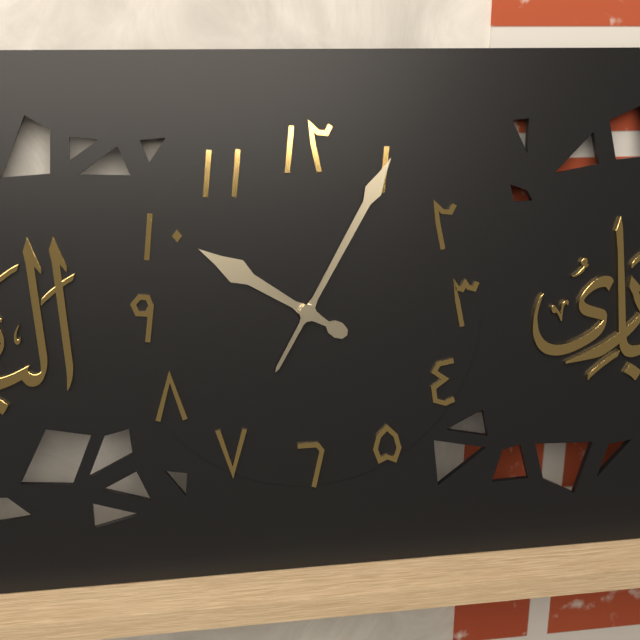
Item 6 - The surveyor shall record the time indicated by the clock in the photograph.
10:05
